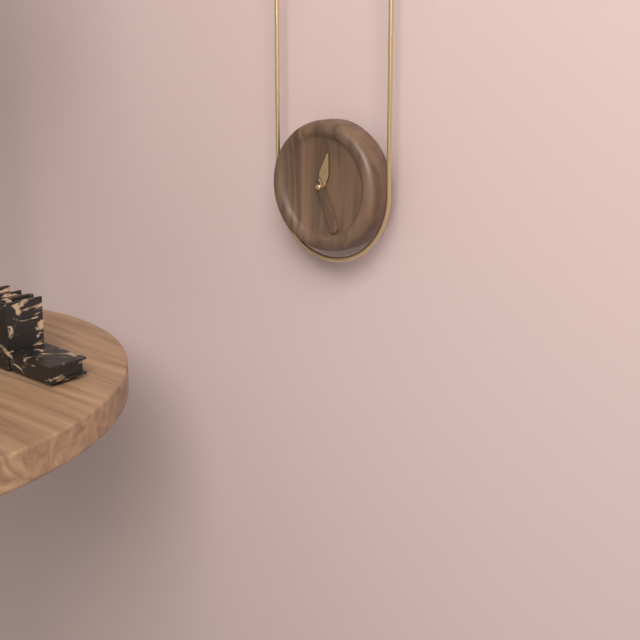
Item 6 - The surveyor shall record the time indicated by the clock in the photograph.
12:26
